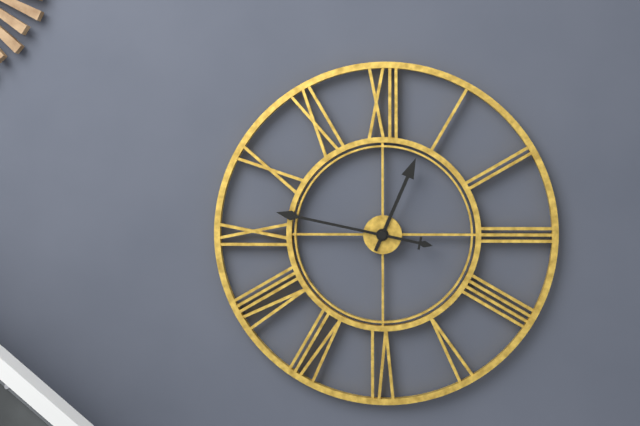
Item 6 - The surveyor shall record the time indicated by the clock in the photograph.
12:47
